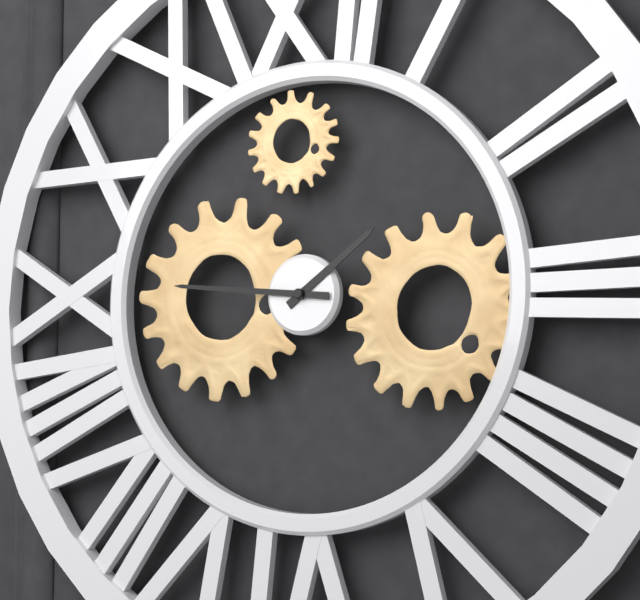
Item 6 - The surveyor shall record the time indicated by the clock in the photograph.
1:46
